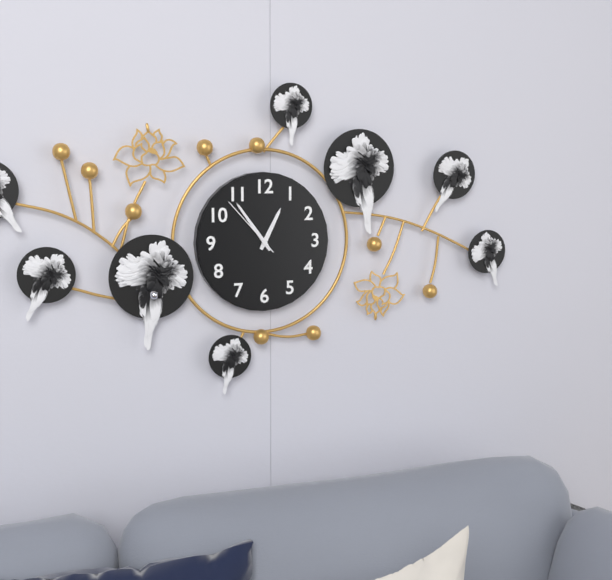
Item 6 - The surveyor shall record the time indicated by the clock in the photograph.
12:54:53
